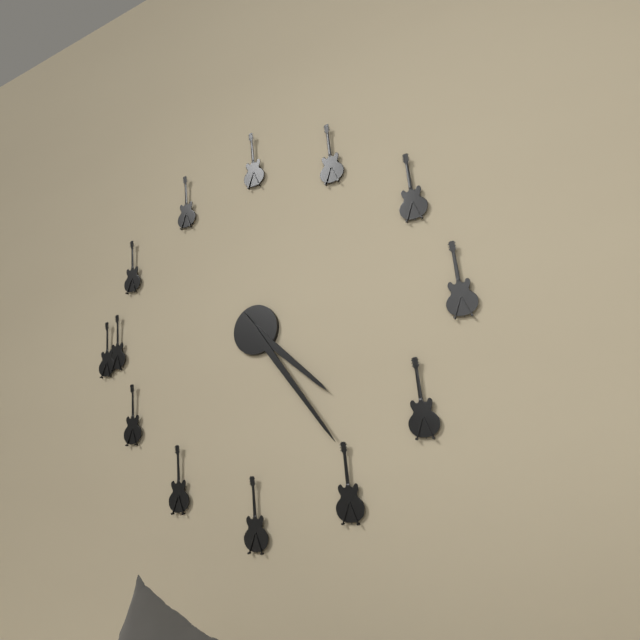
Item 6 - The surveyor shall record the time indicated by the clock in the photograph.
4:24
